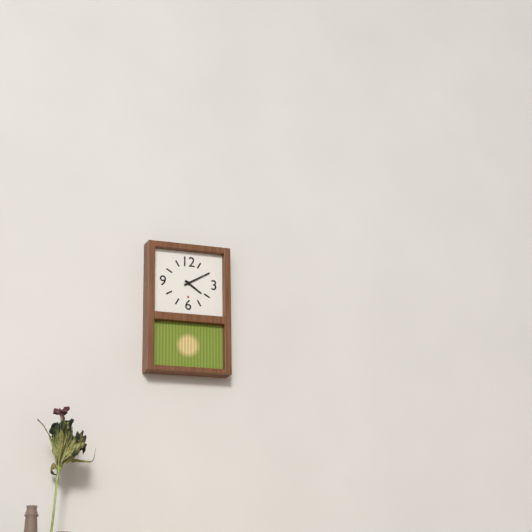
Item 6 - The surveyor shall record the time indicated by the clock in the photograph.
4:10
